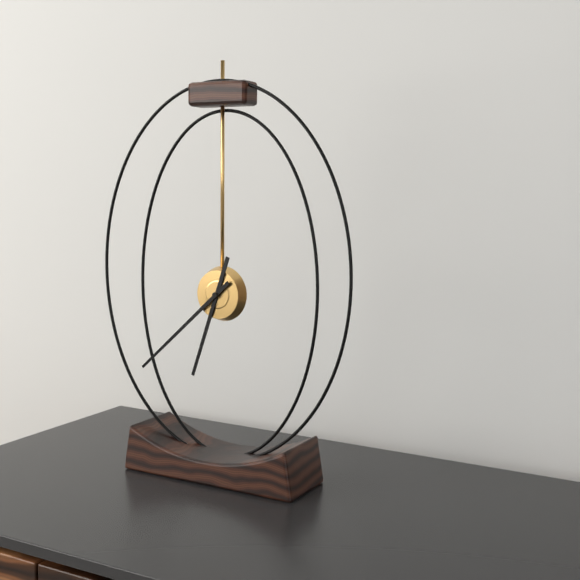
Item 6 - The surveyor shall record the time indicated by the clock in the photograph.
6:38
